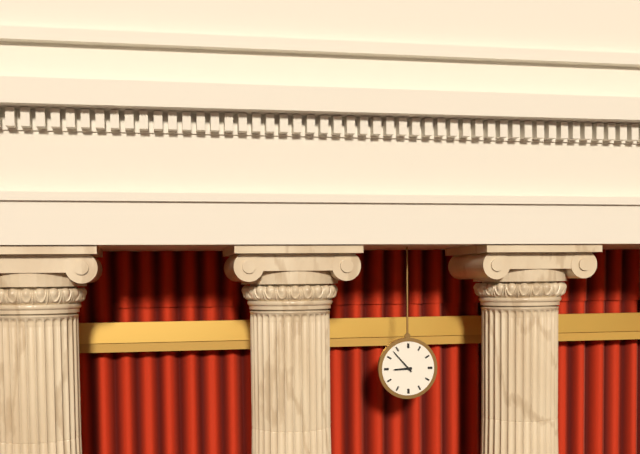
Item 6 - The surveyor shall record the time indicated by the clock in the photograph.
8:53
